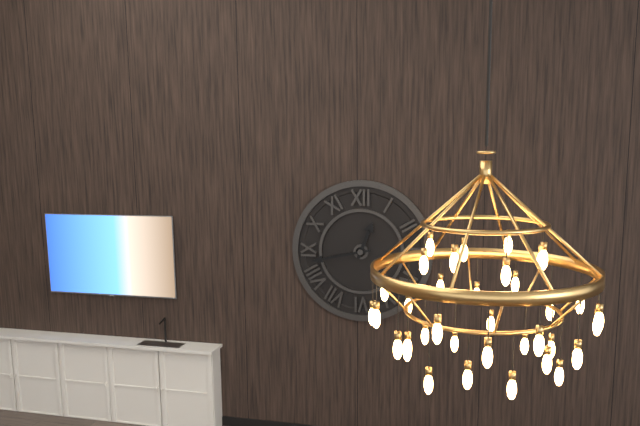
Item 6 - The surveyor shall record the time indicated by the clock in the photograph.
12:43
